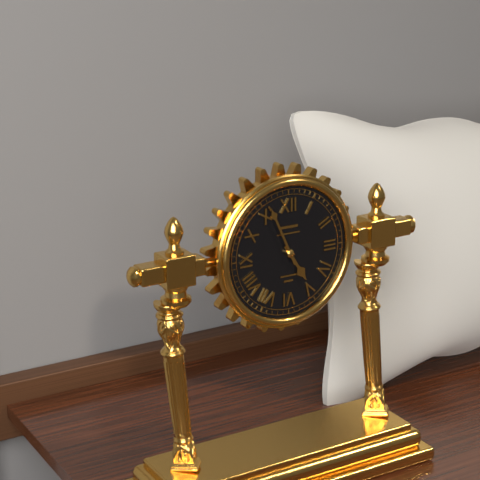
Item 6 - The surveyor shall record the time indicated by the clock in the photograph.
4:56
